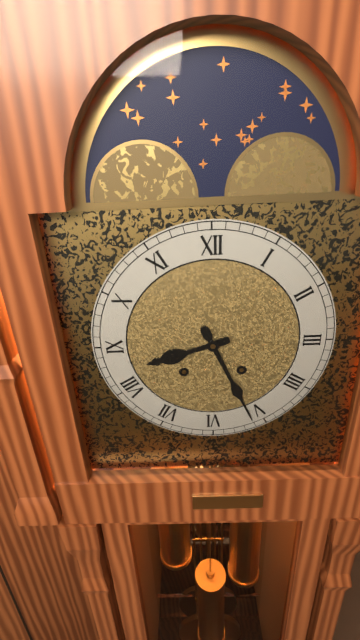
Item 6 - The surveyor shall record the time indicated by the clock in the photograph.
8:26
